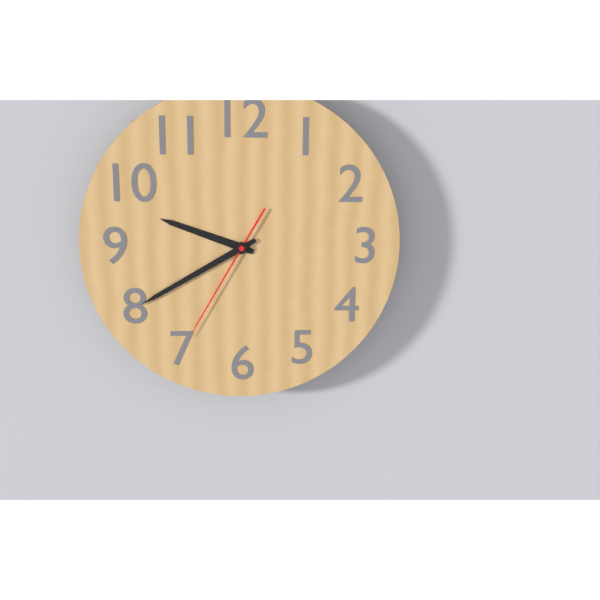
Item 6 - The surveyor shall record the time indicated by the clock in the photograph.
9:40:35
